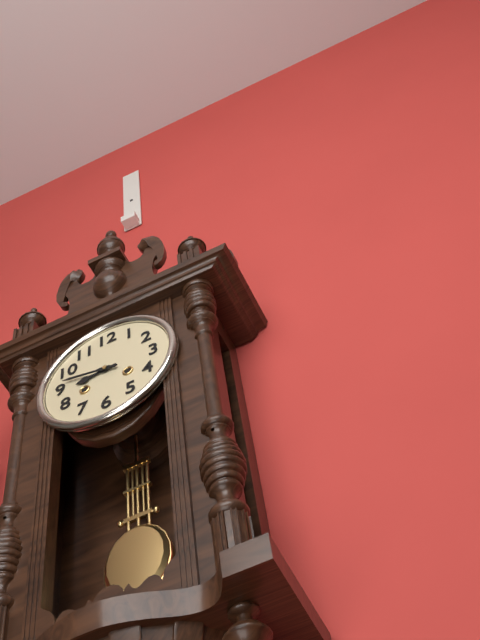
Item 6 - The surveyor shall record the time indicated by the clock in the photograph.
8:47
